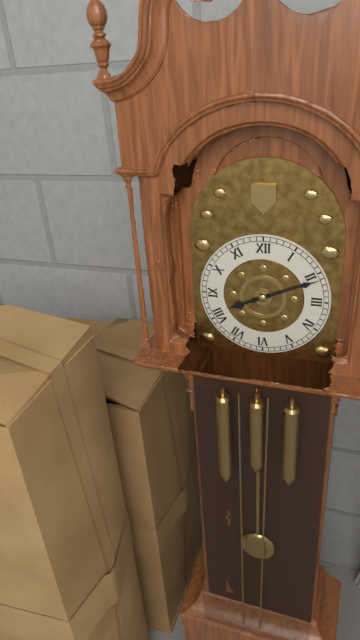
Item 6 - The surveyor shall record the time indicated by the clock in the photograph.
8:11
